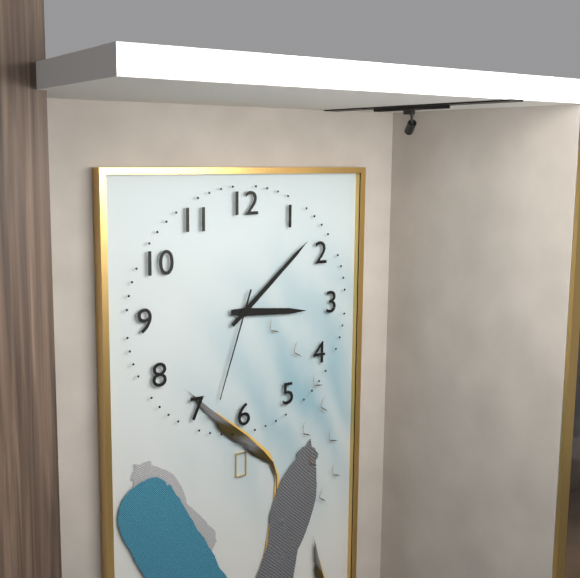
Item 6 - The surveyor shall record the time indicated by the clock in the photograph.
3:08:33
